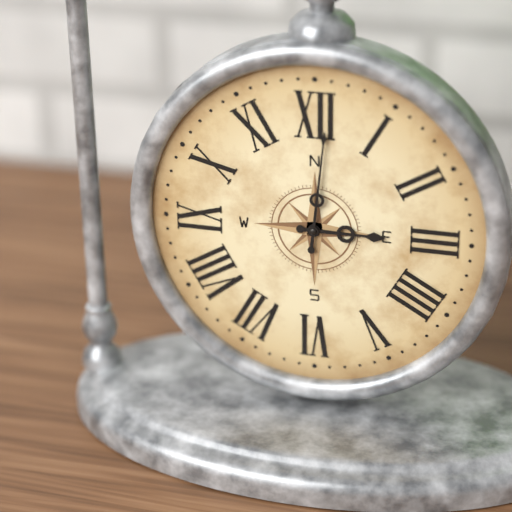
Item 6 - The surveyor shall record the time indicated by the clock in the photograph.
3:01
